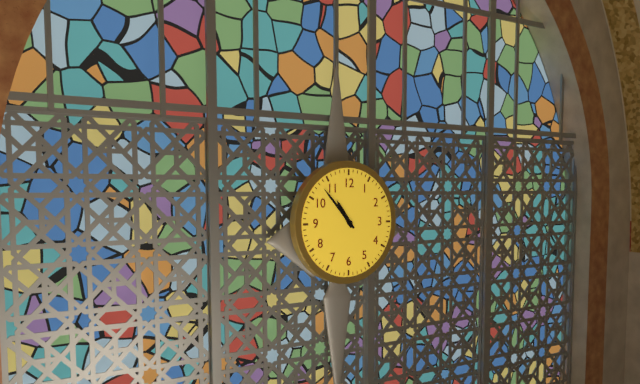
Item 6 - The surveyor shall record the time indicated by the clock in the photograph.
10:53
